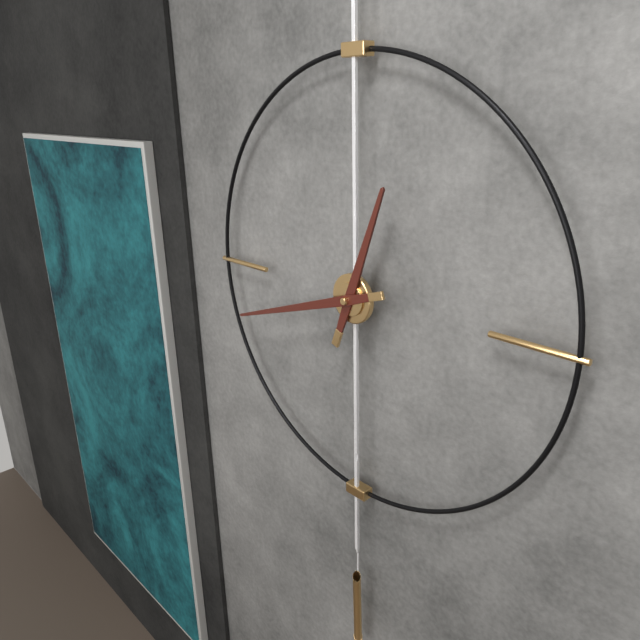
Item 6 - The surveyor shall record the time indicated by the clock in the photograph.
12:42
